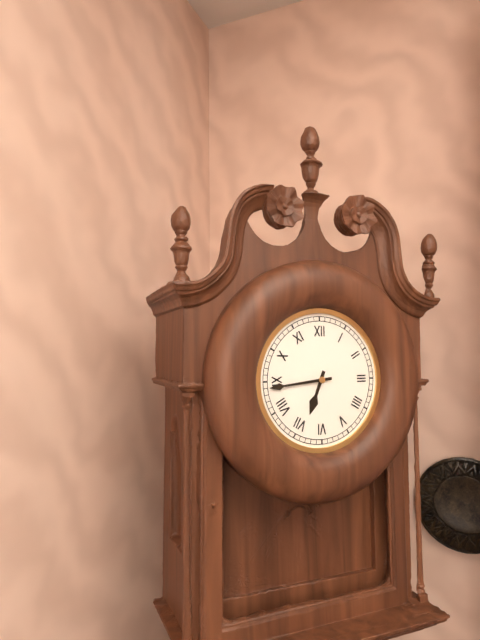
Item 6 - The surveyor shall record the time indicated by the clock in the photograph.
6:44
